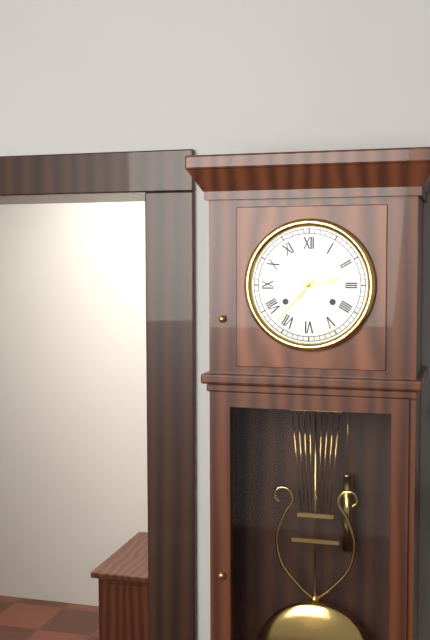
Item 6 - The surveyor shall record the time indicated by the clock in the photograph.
2:37
